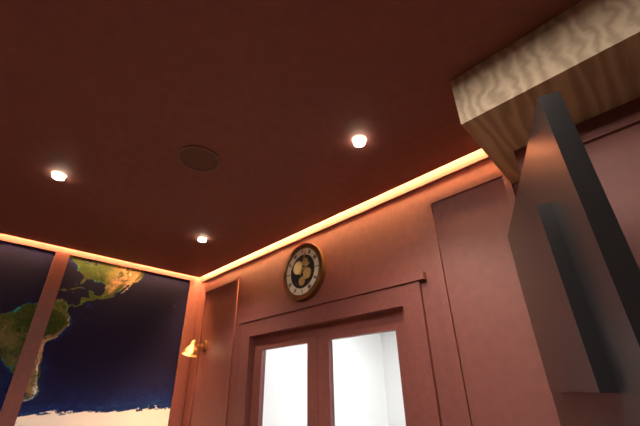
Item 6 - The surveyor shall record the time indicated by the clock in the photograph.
2:03
